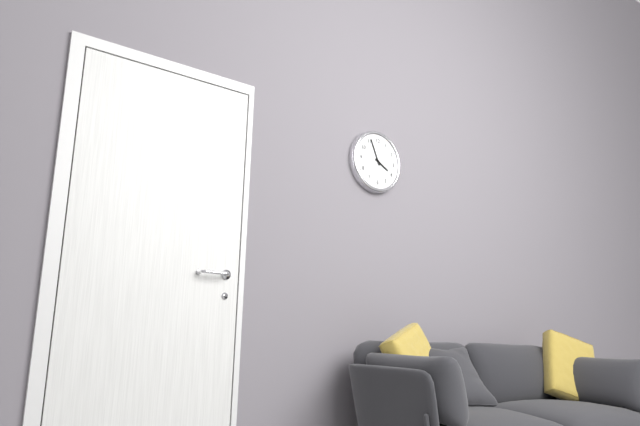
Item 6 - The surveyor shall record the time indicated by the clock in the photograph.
3:56
